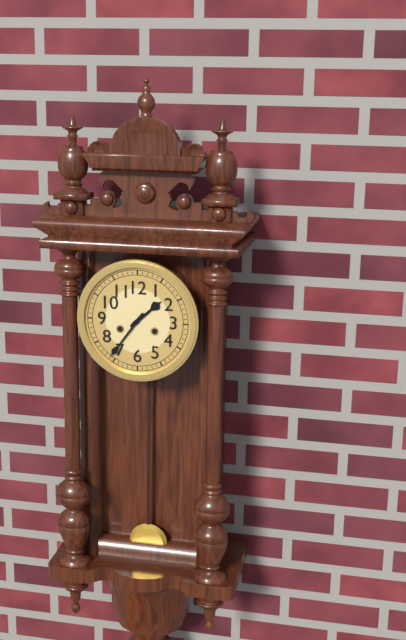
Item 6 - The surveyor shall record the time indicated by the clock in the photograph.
1:36
